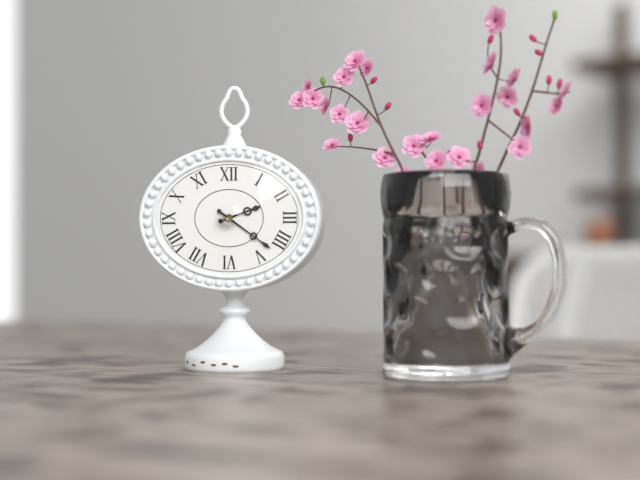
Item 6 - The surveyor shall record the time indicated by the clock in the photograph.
2:21
